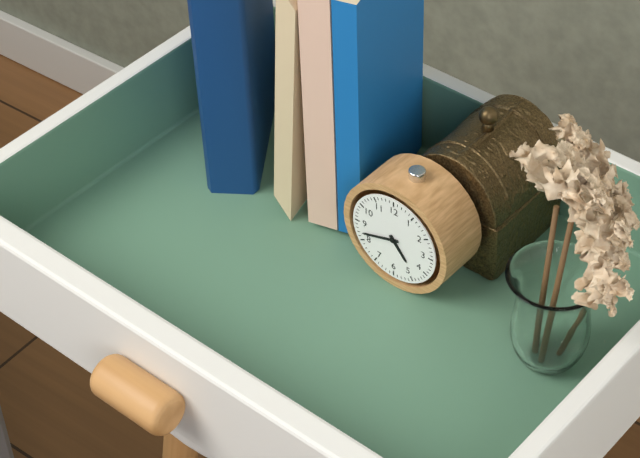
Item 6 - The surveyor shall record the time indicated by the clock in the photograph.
4:42
